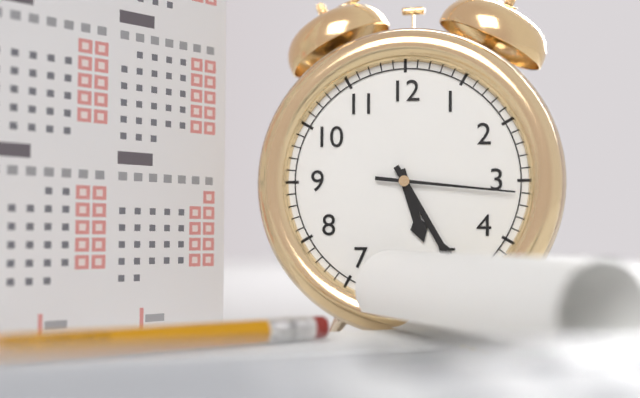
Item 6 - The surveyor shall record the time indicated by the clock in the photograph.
5:25:16
